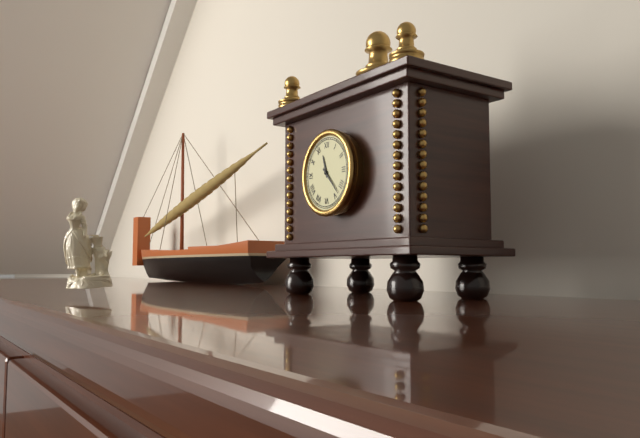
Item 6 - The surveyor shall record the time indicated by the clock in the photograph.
11:23
